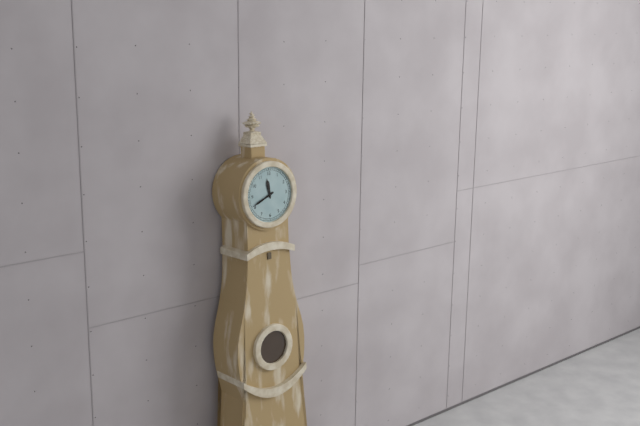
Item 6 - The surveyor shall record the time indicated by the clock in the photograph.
11:41
